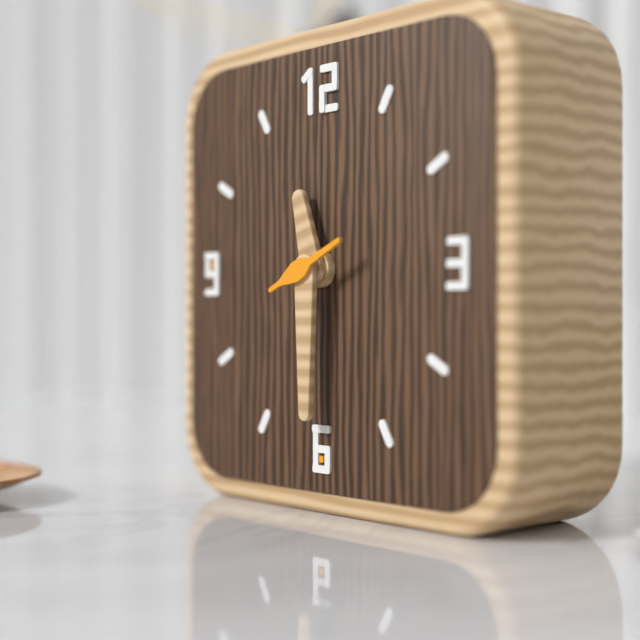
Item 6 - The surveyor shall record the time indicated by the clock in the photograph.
11:30:11
